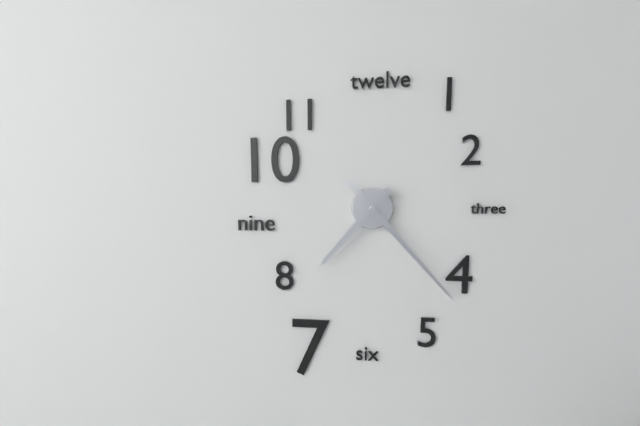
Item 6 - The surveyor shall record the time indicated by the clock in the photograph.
7:23
